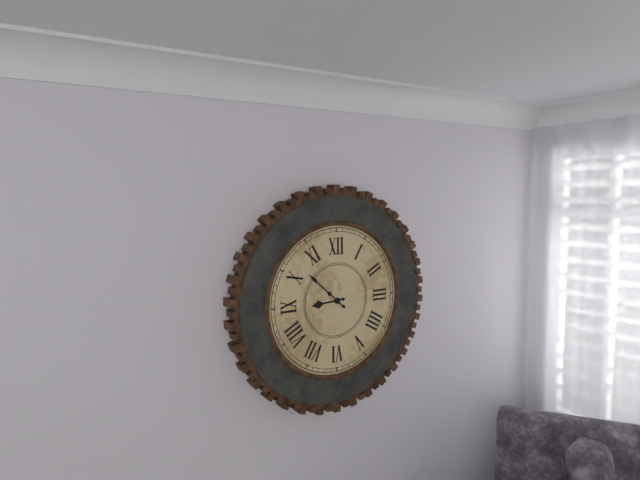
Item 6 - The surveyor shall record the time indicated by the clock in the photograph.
8:52
